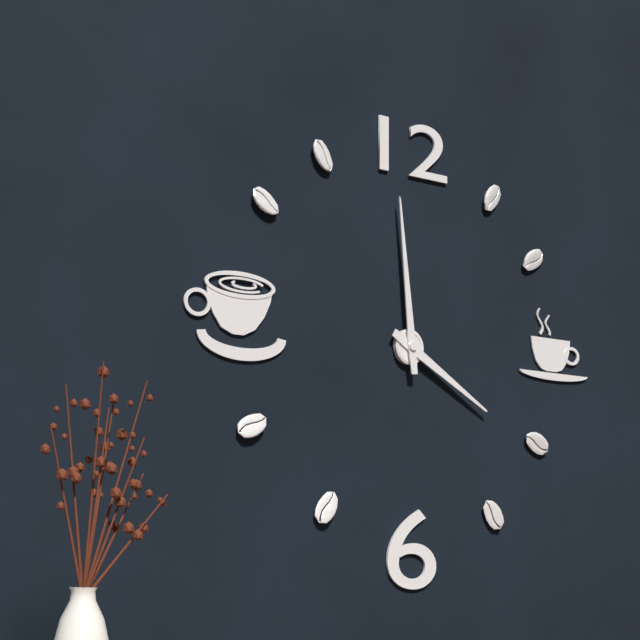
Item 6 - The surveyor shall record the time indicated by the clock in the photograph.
3:59
